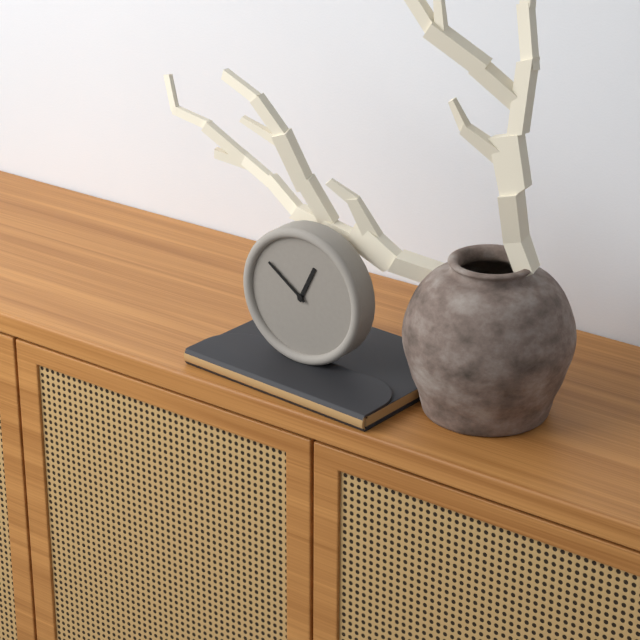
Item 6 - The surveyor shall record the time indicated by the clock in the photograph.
12:51
